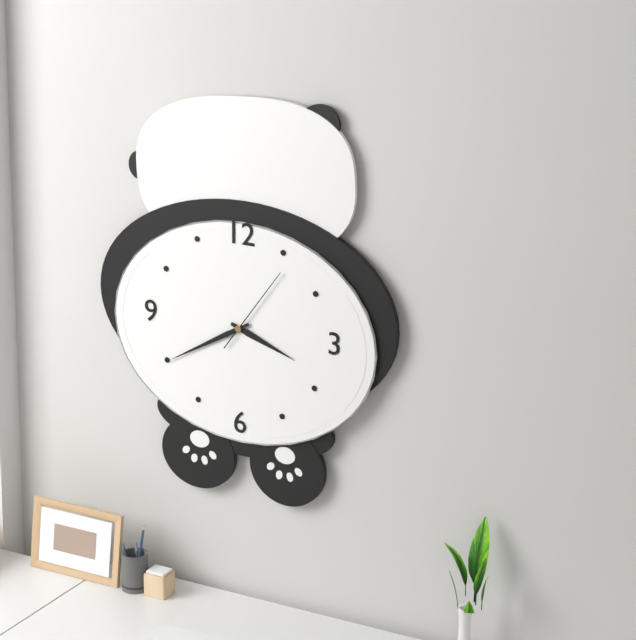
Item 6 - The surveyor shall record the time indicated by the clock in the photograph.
3:40:06
